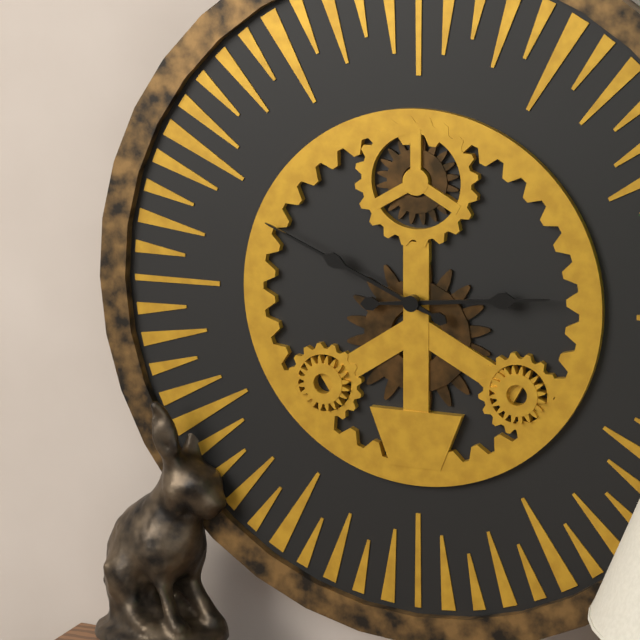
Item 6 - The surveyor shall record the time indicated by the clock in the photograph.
2:49
